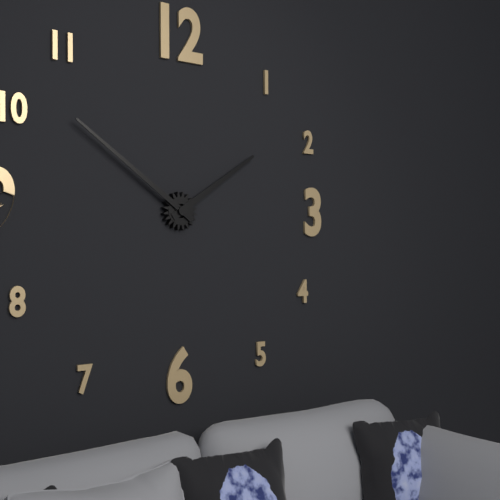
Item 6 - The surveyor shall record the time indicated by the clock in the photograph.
1:51
